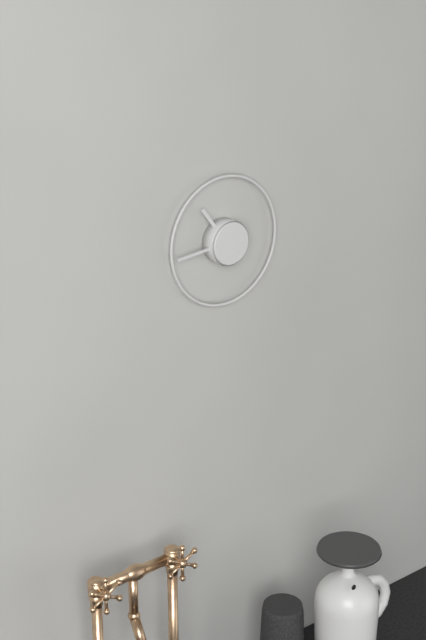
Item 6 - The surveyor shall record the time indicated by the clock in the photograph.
10:44
